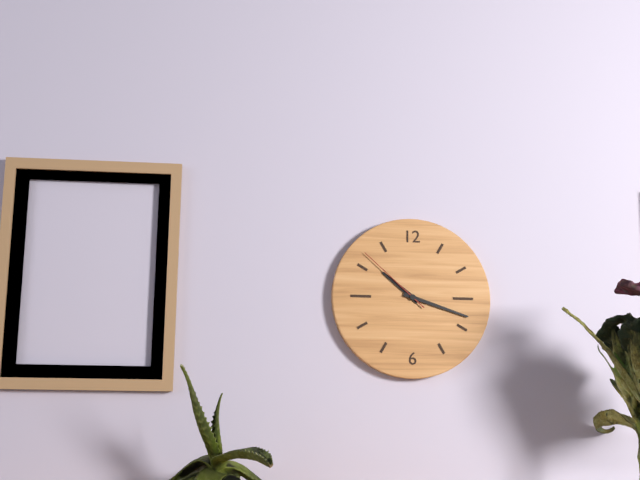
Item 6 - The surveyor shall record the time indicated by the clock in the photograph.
10:18:52
